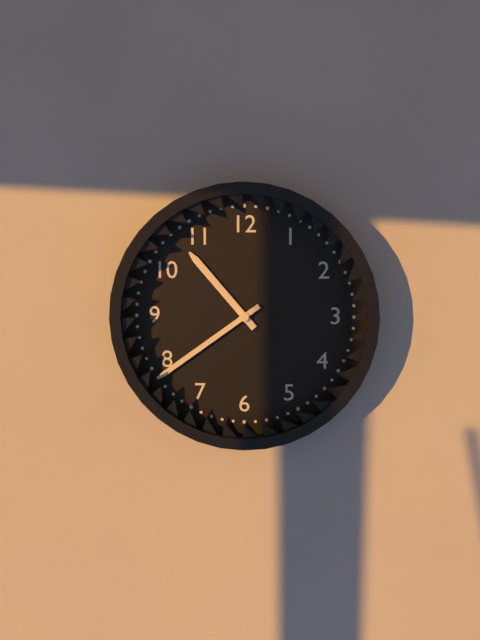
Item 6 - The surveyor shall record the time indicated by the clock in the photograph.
10:39
